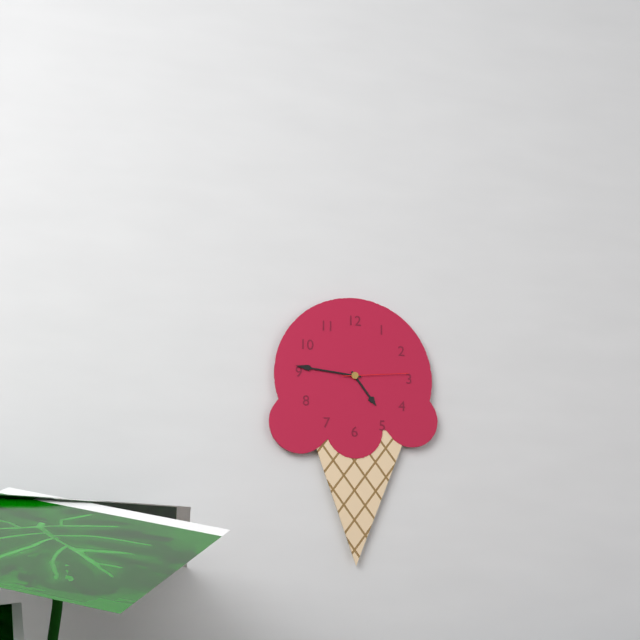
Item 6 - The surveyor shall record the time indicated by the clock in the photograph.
4:46:14
